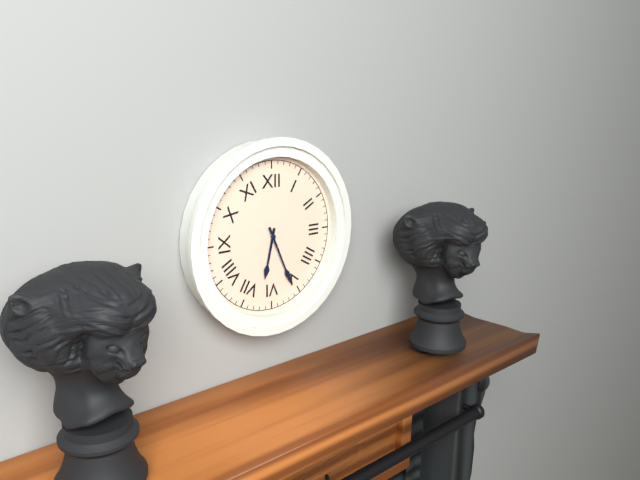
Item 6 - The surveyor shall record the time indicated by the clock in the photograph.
6:26
